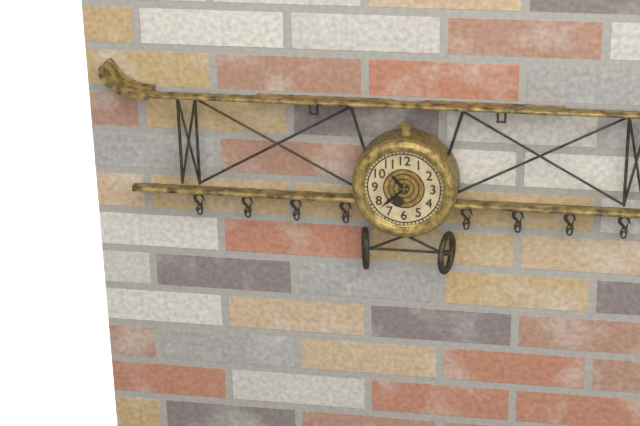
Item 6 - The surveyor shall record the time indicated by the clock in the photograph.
10:38
